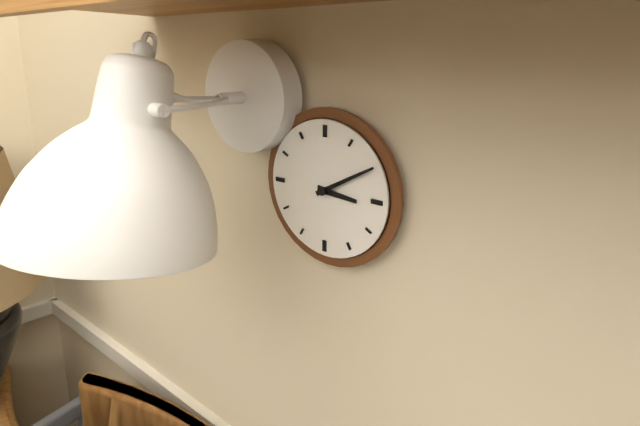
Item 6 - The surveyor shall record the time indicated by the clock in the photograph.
3:10
